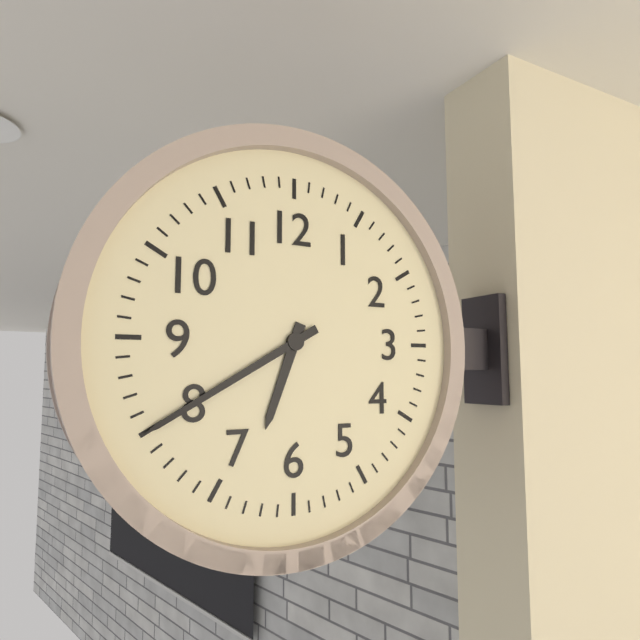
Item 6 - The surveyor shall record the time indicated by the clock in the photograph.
6:40
